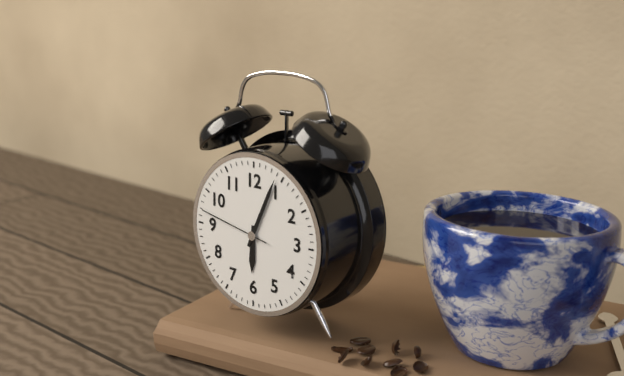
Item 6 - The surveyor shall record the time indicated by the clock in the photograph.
6:04:47
